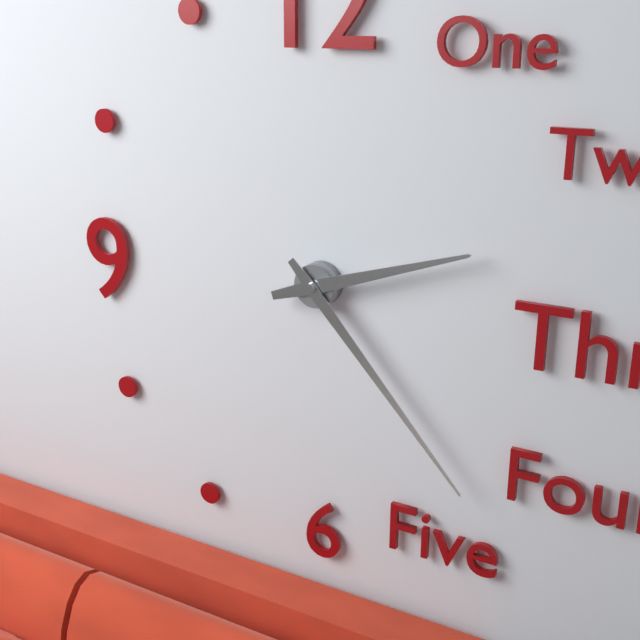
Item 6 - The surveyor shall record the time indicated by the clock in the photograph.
2:23
